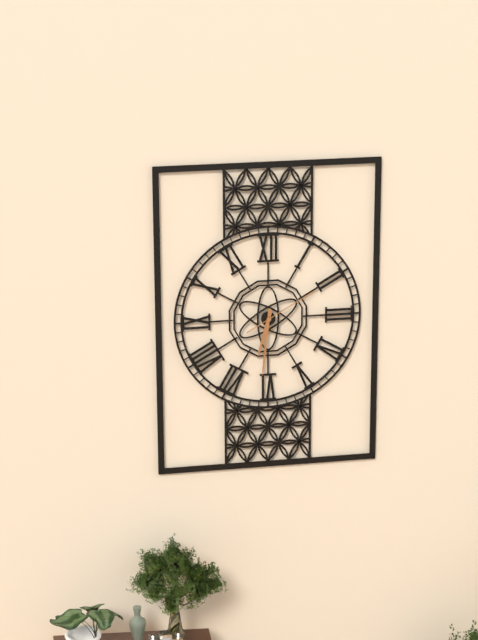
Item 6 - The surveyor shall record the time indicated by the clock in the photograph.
6:31:10
